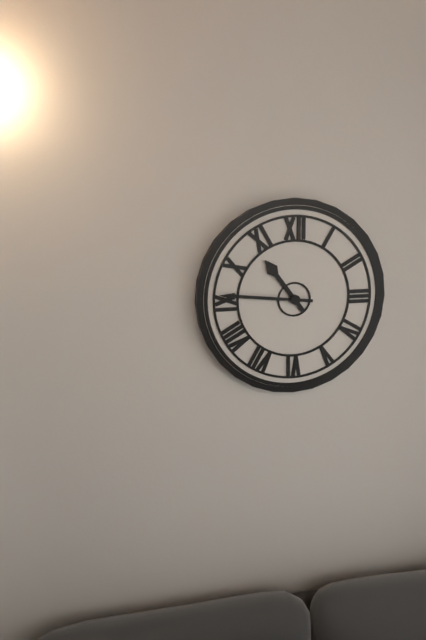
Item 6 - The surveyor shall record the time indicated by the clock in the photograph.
10:46
